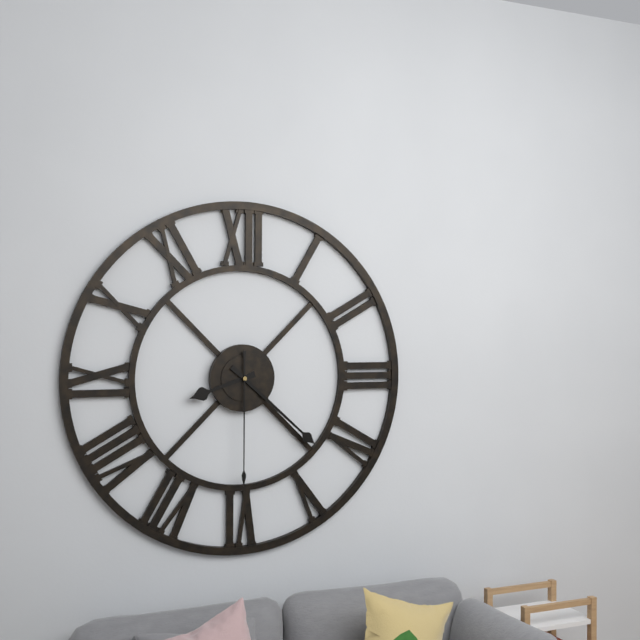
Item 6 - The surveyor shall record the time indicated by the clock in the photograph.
8:22:30
